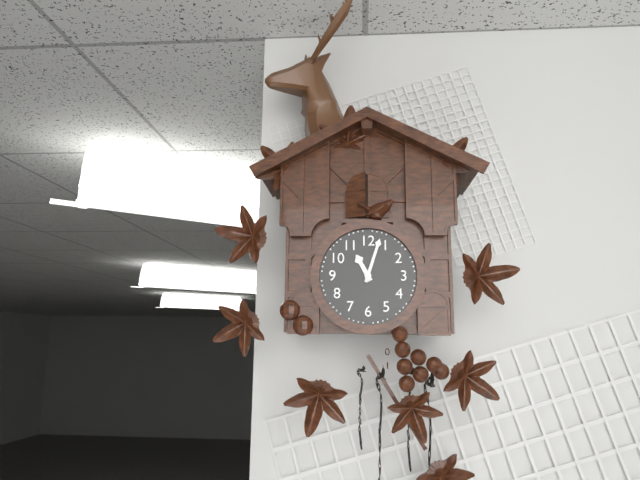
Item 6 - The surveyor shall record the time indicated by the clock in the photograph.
11:03
